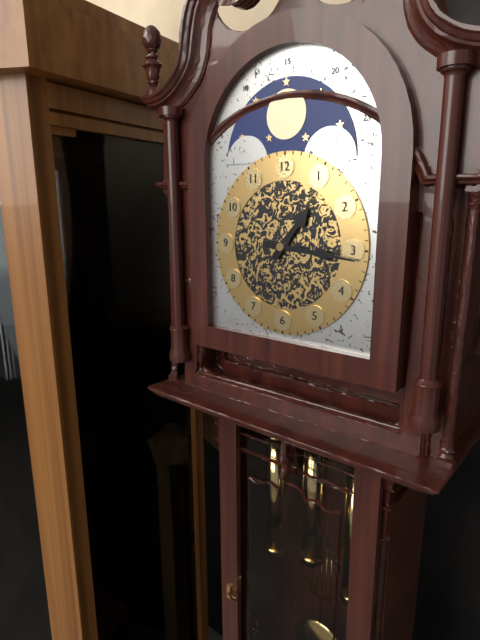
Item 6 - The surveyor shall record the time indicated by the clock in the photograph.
1:16
